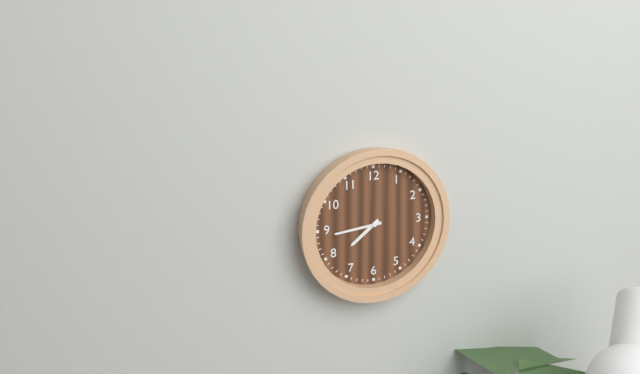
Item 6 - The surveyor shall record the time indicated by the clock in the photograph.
7:44
